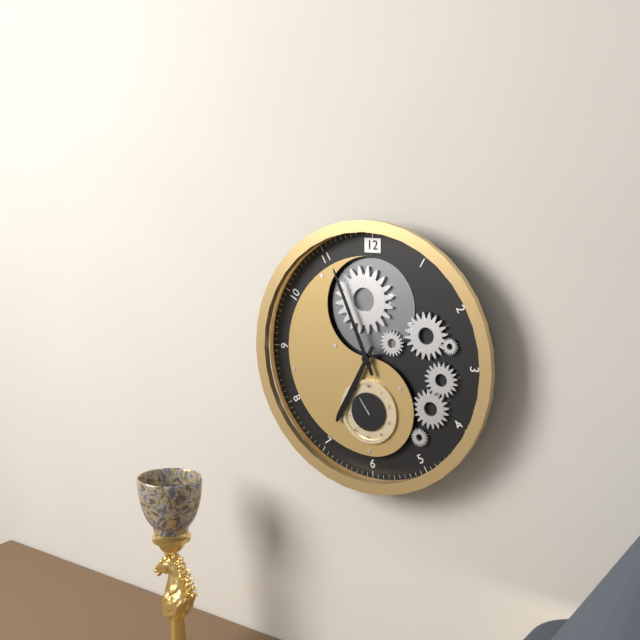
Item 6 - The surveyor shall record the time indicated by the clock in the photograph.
6:56
